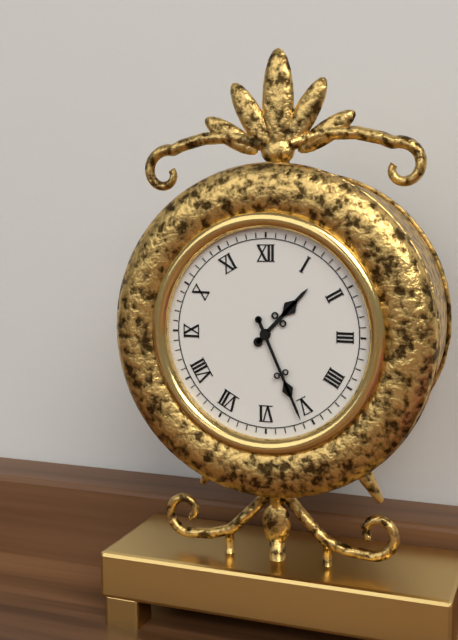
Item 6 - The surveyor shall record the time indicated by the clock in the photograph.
1:26
